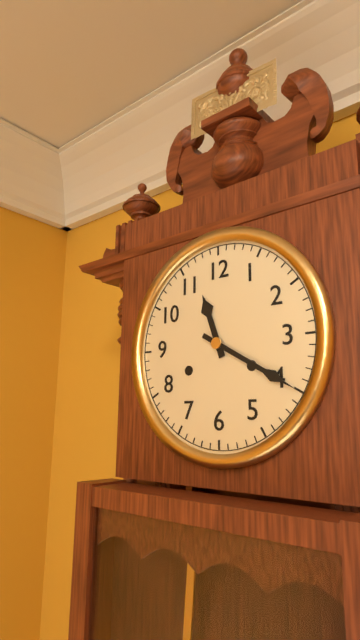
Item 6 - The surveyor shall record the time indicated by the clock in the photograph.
11:20
